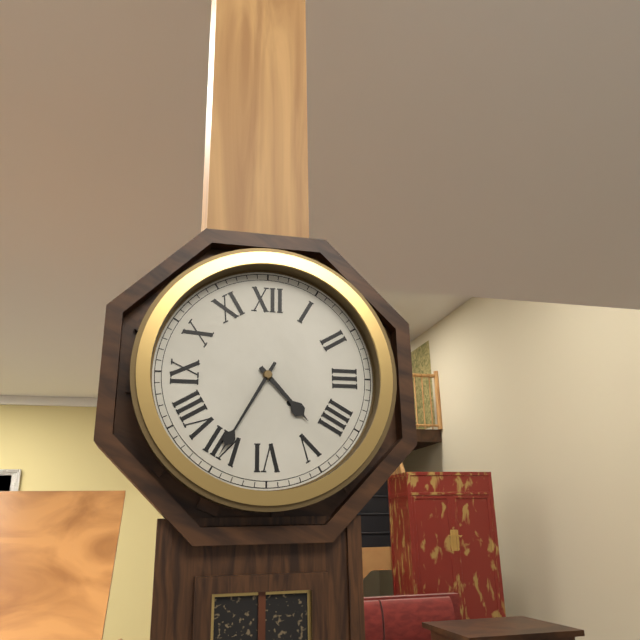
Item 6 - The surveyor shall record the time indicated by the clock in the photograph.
4:35
